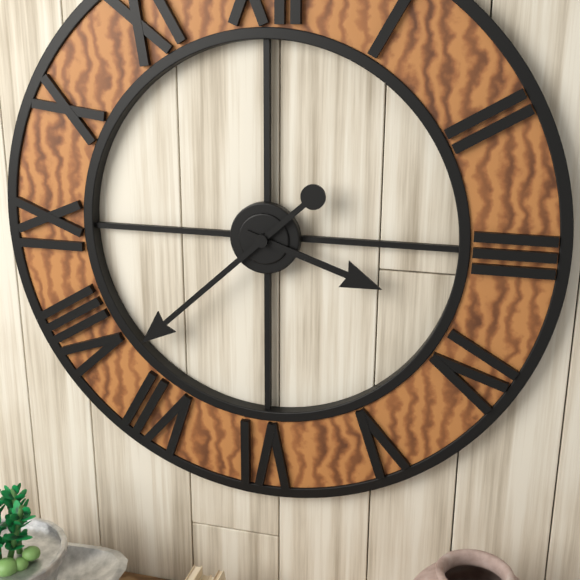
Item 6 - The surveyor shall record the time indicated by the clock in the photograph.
3:38
